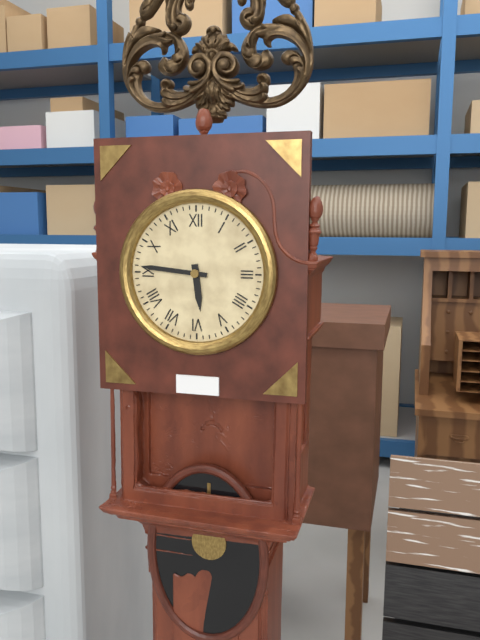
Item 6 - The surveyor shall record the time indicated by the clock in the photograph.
5:46
